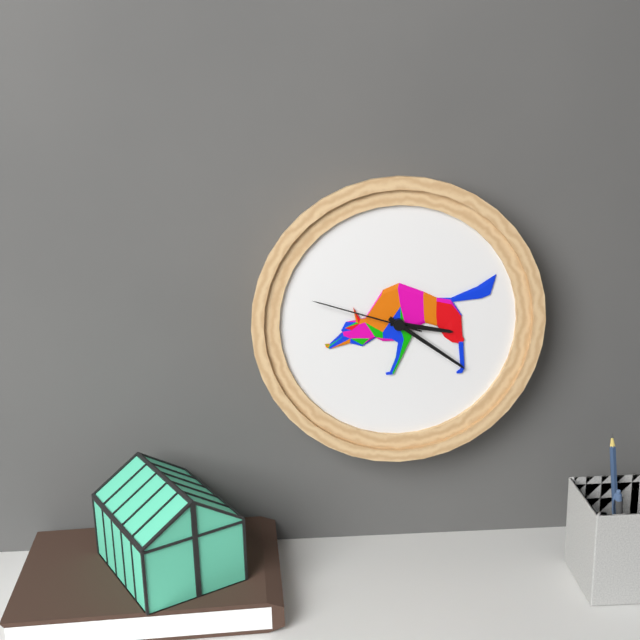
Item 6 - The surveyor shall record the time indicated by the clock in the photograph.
3:21:48
